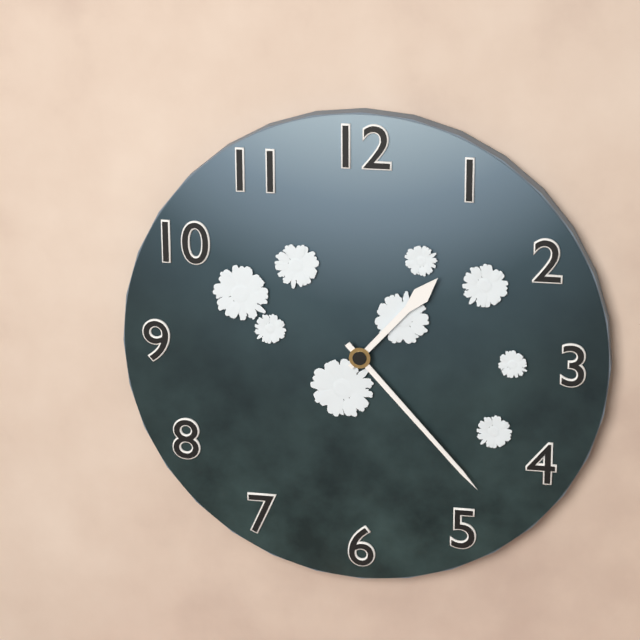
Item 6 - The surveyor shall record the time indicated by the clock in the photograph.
1:23
